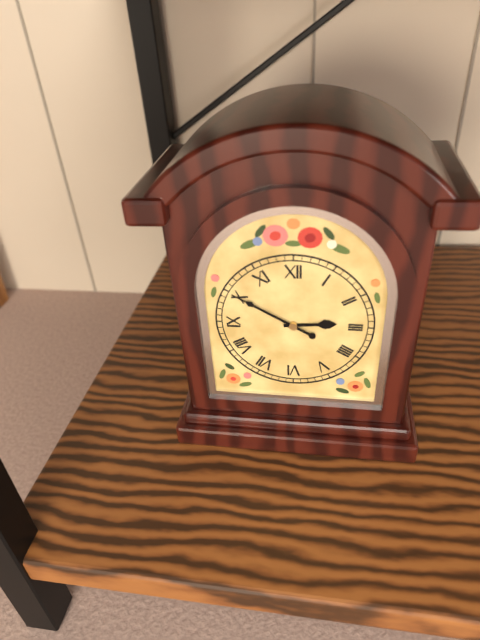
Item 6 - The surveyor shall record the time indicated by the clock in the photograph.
2:50
